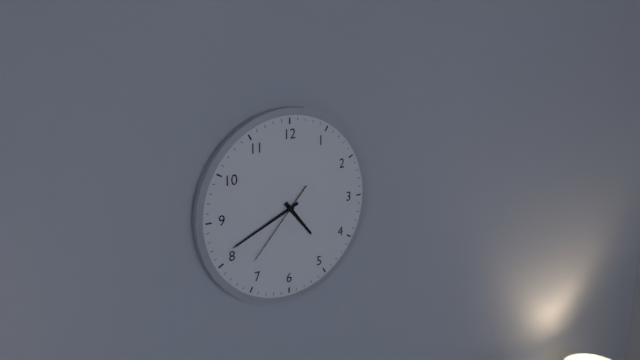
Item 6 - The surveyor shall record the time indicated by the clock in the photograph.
4:41:37
